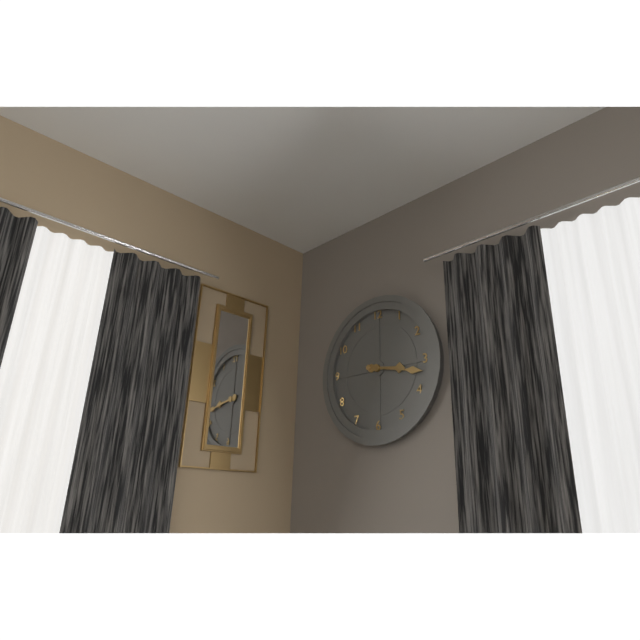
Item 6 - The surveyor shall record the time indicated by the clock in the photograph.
3:17
